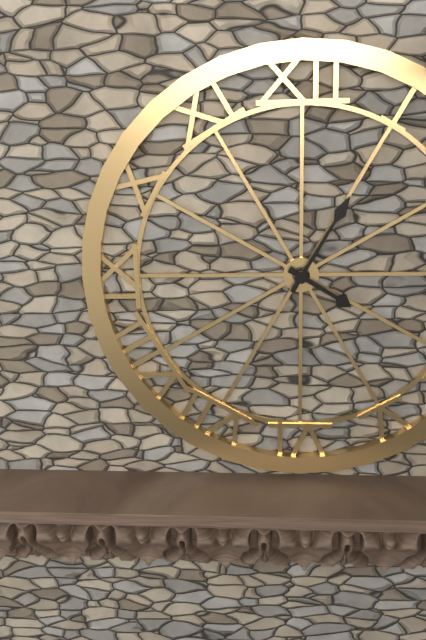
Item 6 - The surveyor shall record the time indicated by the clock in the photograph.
4:05
